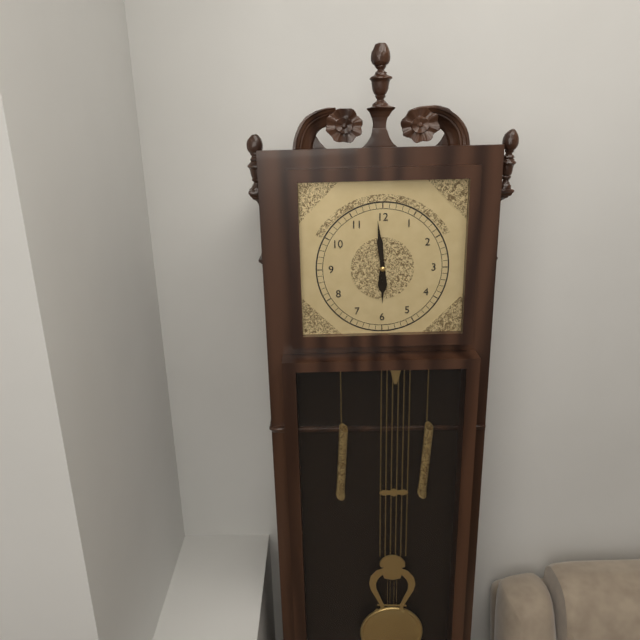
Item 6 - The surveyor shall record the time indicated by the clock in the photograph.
5:59
